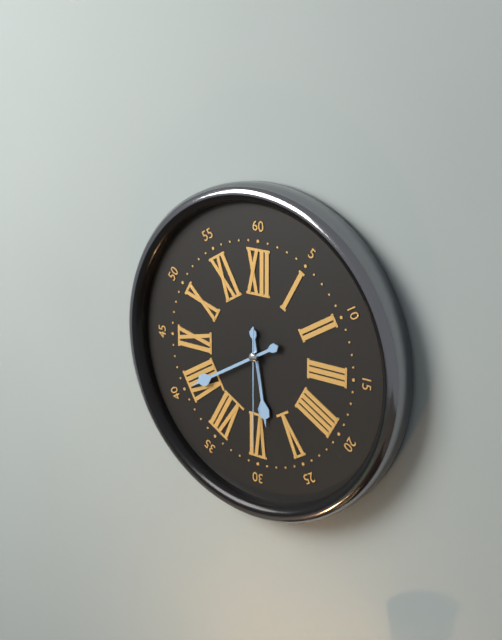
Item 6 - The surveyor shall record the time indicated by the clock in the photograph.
5:40:30
